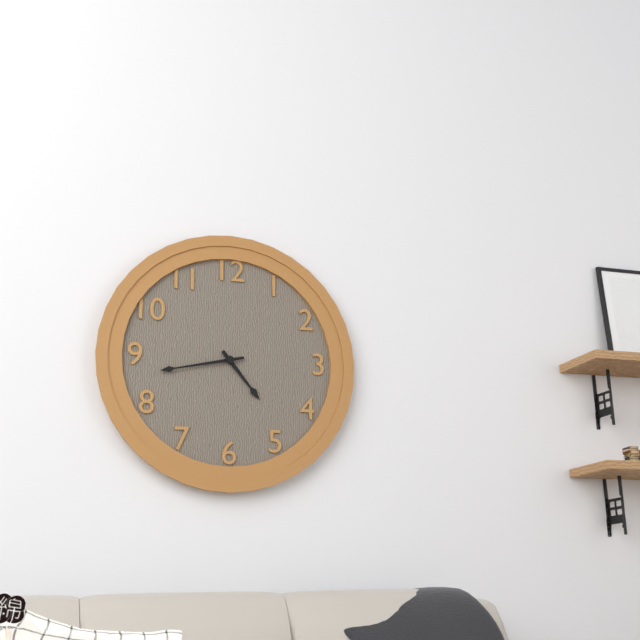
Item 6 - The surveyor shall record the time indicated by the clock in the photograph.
4:43
